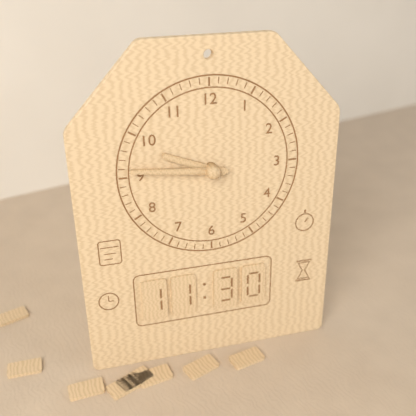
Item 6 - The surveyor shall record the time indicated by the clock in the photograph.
9:46
